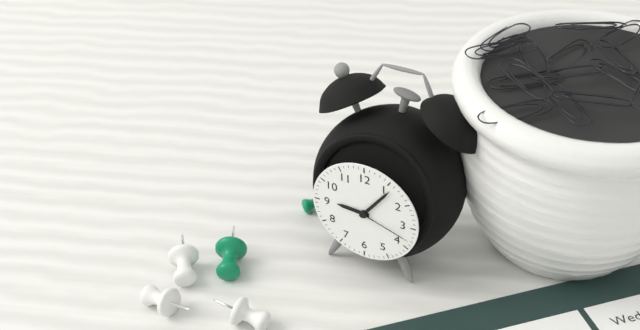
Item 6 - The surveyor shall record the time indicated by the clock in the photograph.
9:06:18
